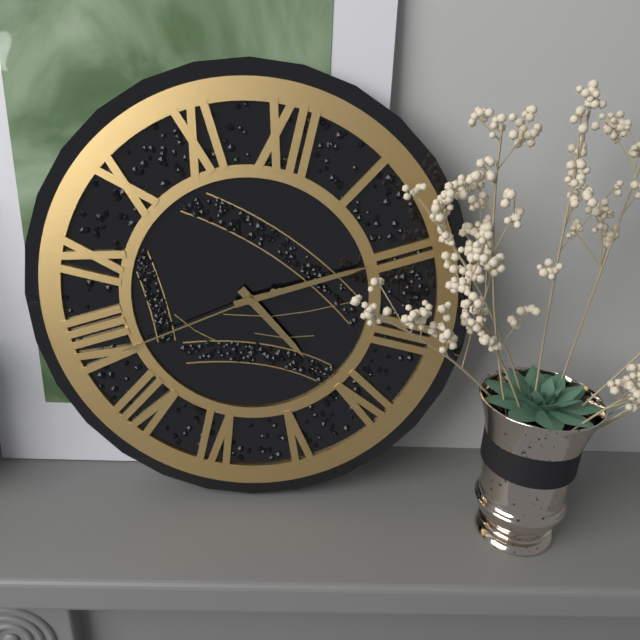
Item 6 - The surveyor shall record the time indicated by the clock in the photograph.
4:10:39
